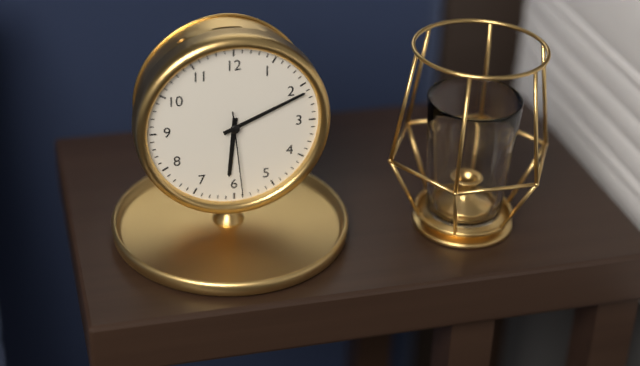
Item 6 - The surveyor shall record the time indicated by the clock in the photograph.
6:11:29
